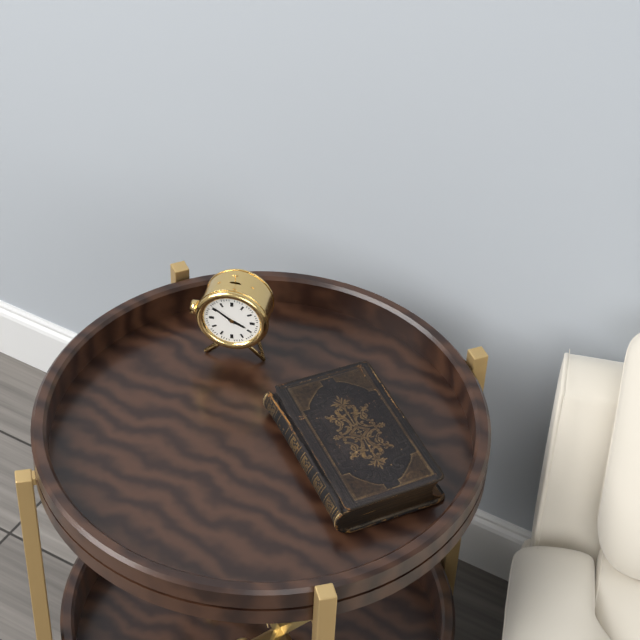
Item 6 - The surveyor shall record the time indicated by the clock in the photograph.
3:51
